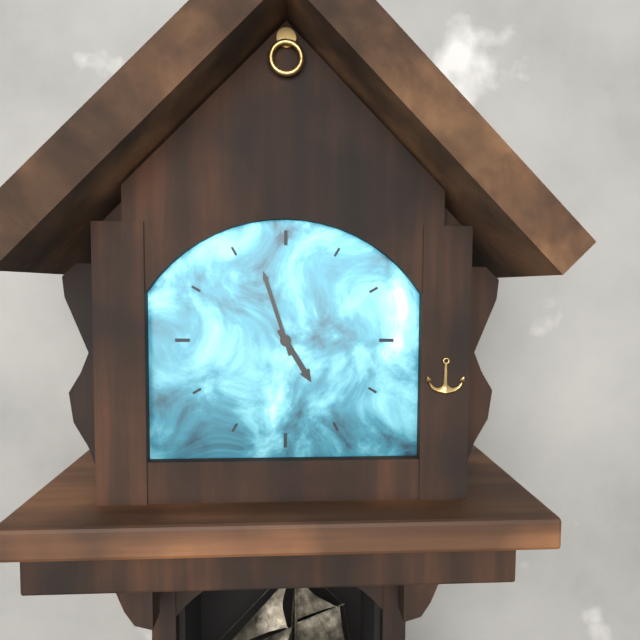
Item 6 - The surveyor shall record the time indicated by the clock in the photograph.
4:57
